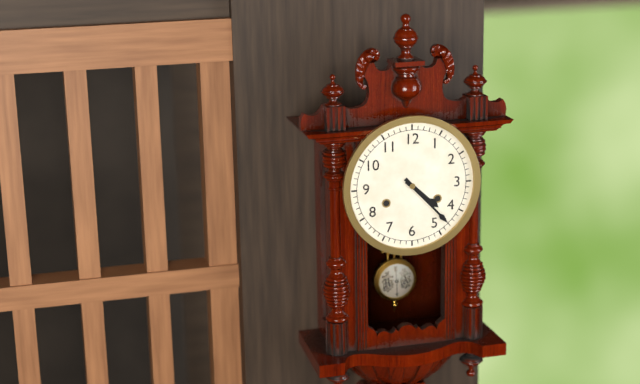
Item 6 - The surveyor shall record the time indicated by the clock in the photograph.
4:23
